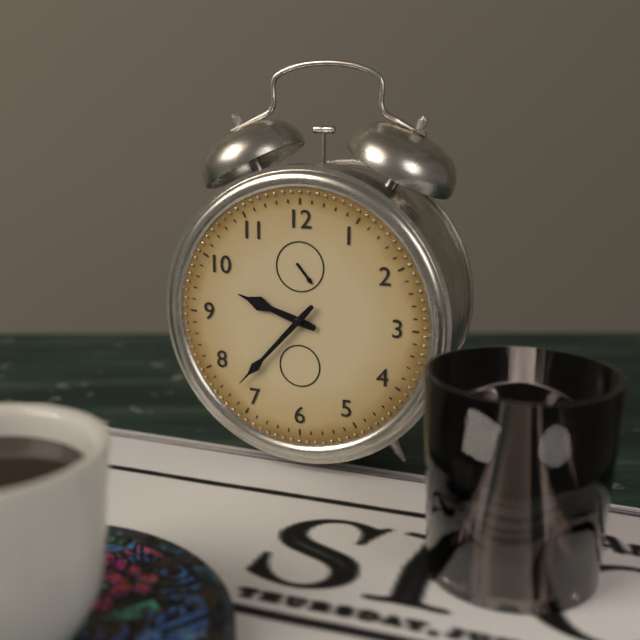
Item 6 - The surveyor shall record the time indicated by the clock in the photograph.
9:37
